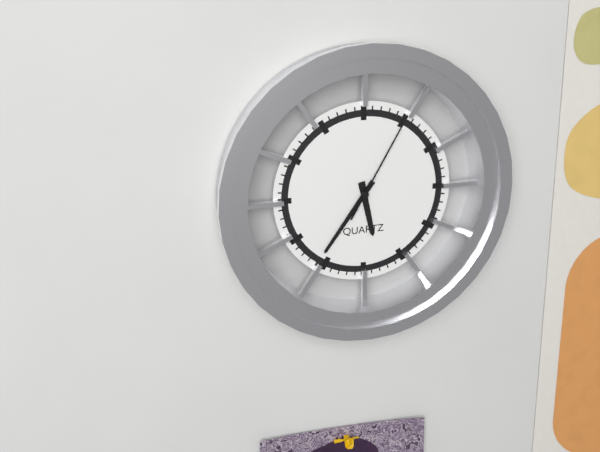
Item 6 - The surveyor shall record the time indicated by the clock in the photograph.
5:36:05
